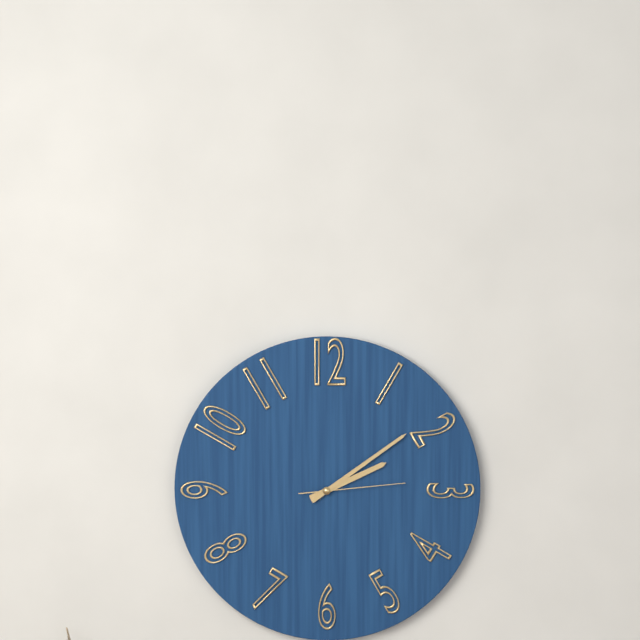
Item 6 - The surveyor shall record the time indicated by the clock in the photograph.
2:09:14
